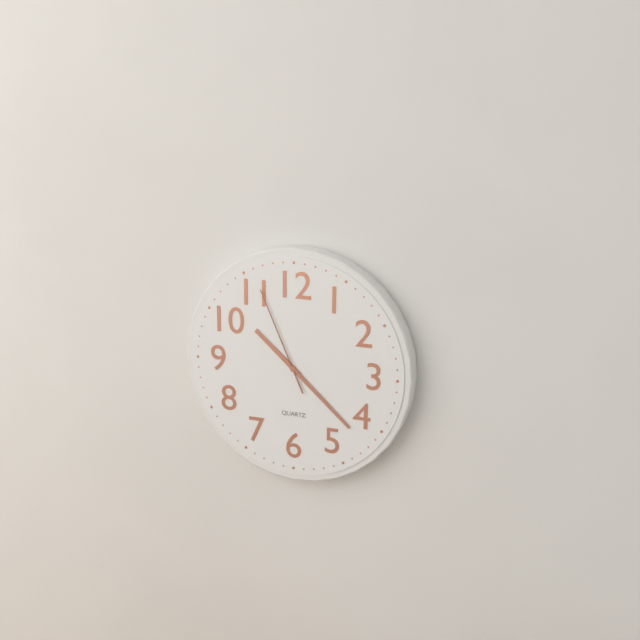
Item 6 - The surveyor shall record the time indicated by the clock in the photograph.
10:22:56
